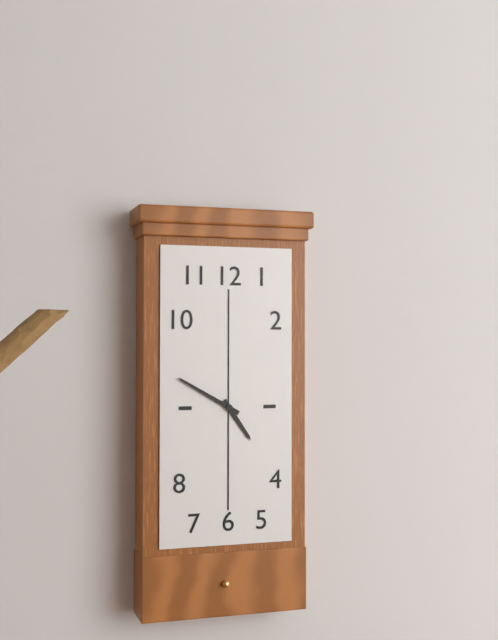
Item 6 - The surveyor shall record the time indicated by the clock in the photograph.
4:50
